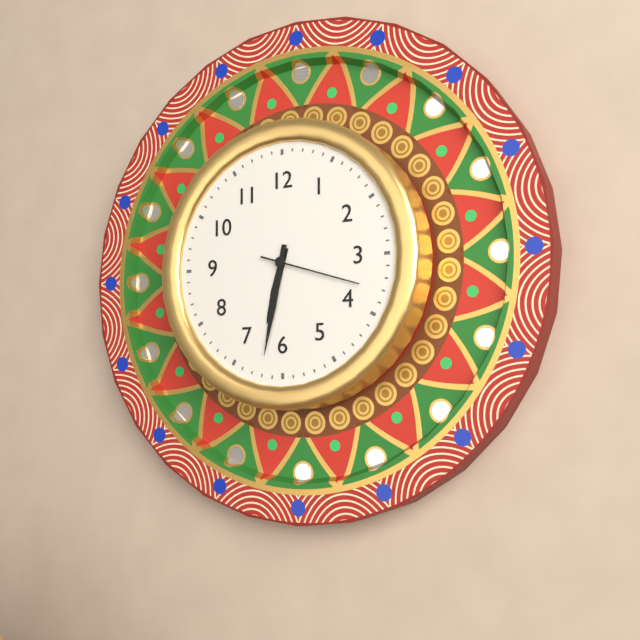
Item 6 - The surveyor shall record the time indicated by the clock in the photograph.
6:32:18
